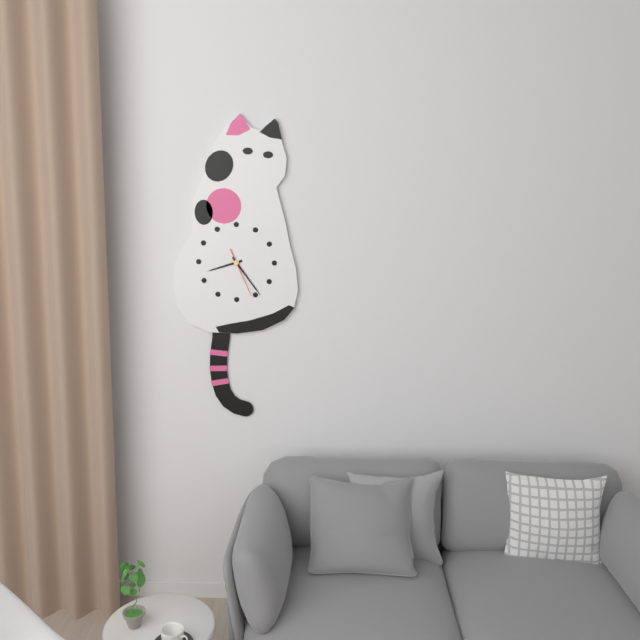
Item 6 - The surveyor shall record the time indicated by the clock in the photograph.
8:24
